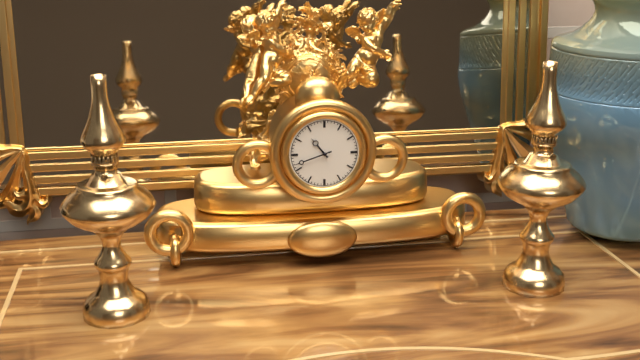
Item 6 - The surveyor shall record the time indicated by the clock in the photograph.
10:42
